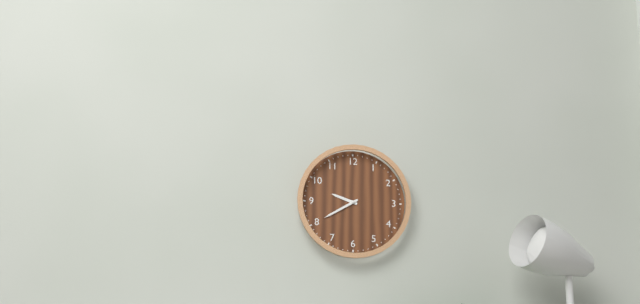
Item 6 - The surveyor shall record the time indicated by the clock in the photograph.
9:40
